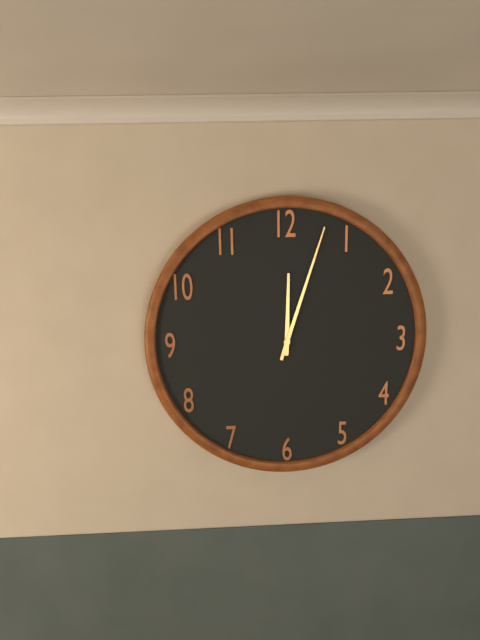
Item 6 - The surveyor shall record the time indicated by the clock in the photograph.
12:03
